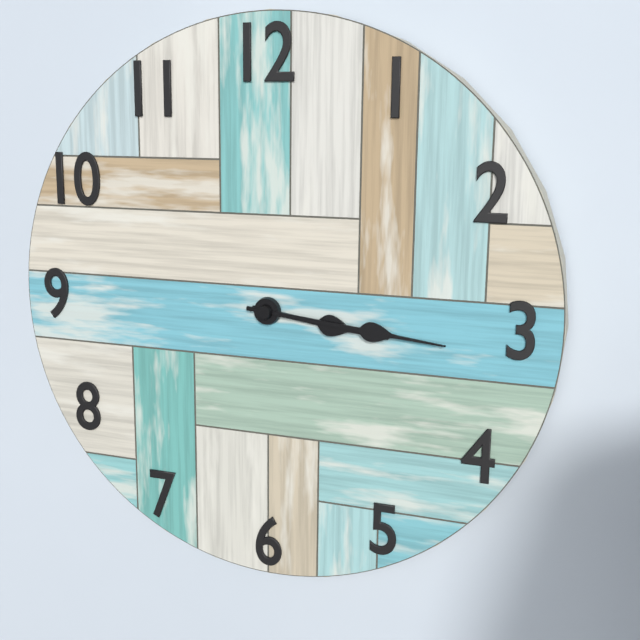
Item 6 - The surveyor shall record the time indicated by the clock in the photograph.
3:16
